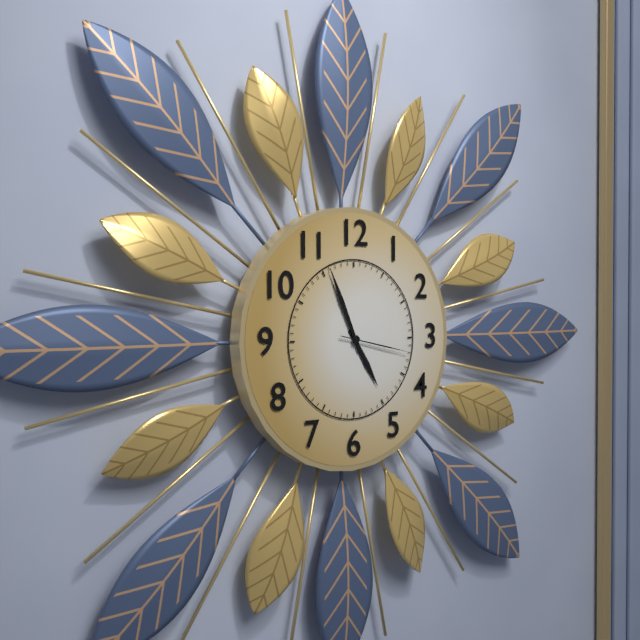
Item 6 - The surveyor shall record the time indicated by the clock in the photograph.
4:56:17
